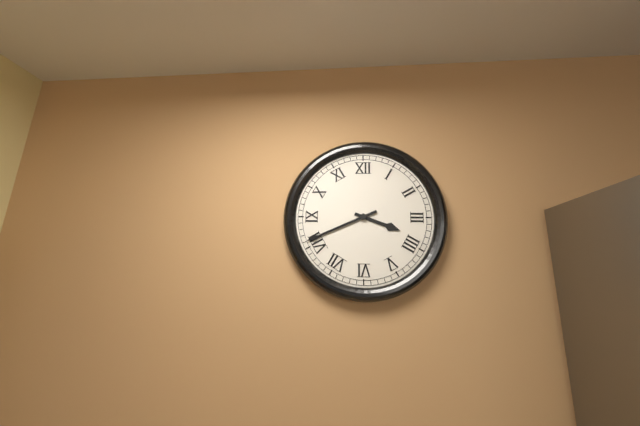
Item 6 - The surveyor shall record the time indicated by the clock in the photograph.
3:41
